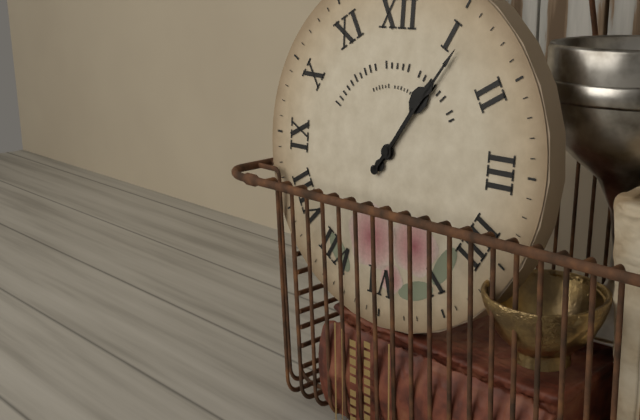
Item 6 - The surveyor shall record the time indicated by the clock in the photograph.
1:06
